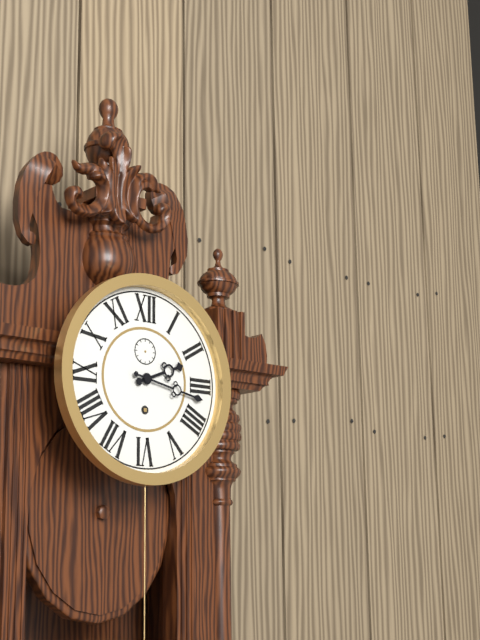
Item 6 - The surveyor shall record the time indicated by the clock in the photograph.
2:17
